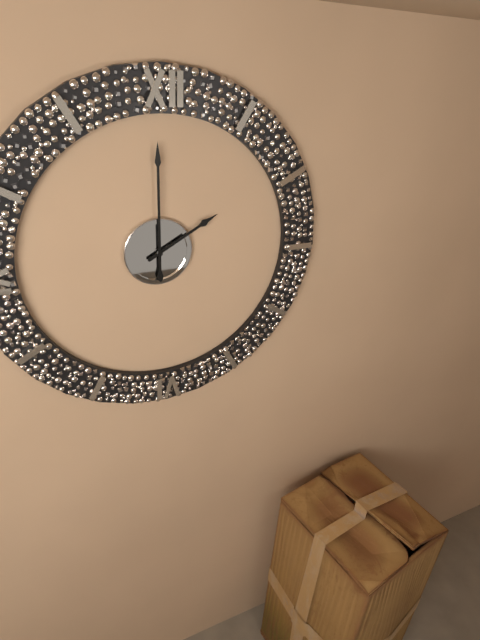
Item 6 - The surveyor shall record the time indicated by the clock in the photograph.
2:00
